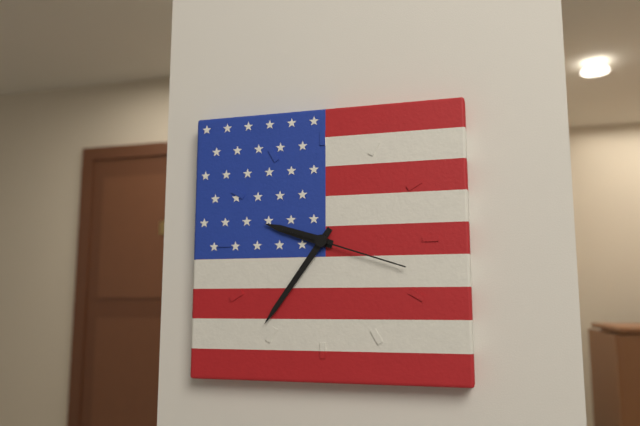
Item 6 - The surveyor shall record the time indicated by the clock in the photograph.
9:36:18
